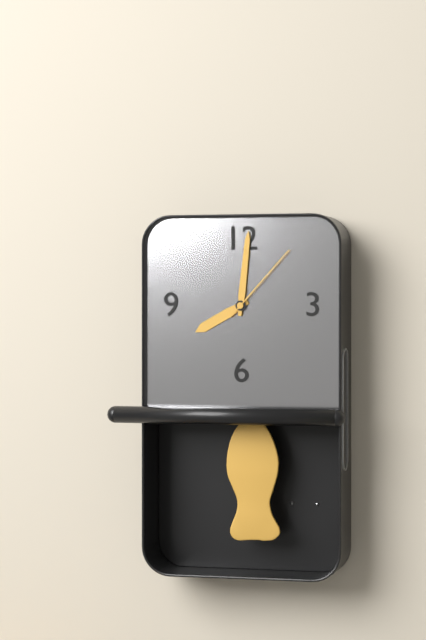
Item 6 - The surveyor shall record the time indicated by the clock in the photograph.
8:01:07
